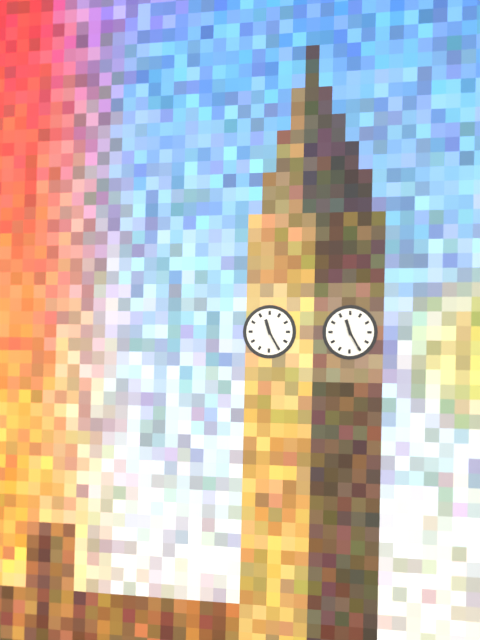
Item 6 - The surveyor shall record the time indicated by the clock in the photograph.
11:25
